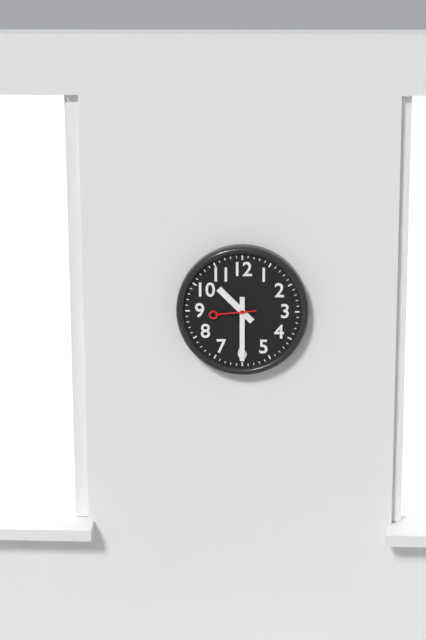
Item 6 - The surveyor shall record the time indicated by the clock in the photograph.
10:30
